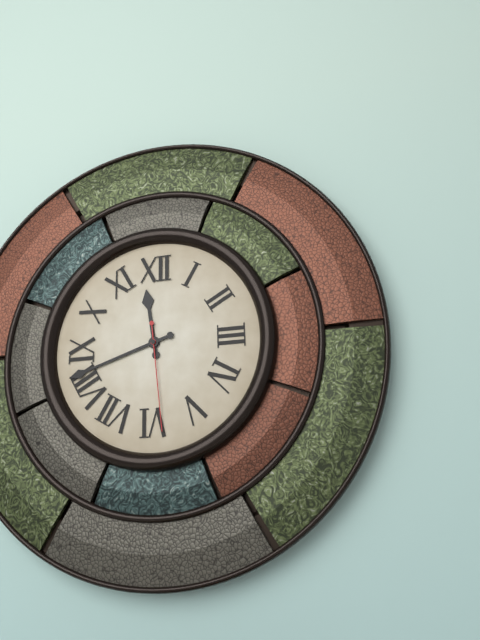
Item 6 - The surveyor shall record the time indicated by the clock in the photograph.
11:42:29
